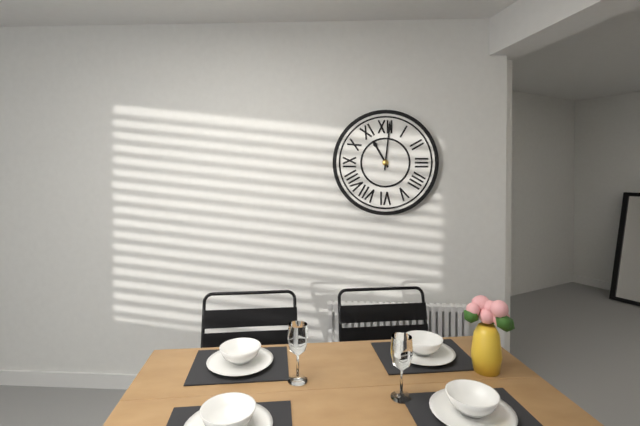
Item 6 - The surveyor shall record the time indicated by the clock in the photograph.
11:01
